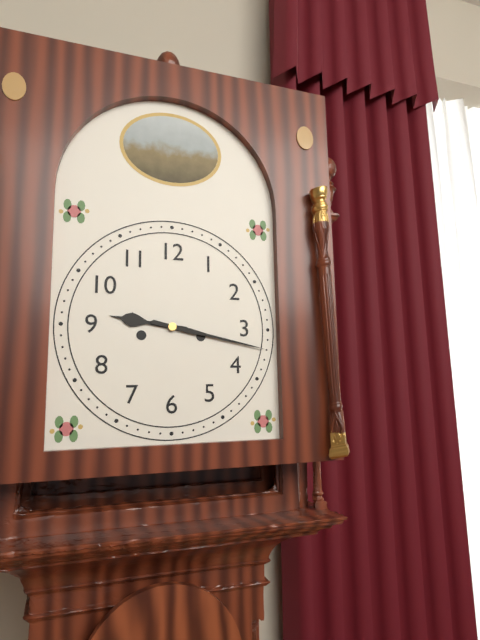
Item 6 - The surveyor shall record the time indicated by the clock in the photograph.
9:17
